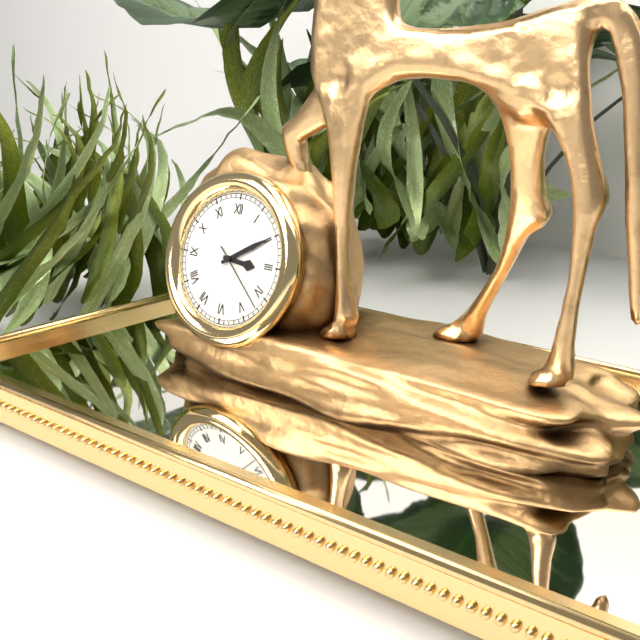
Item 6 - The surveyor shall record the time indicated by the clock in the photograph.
3:10:22
